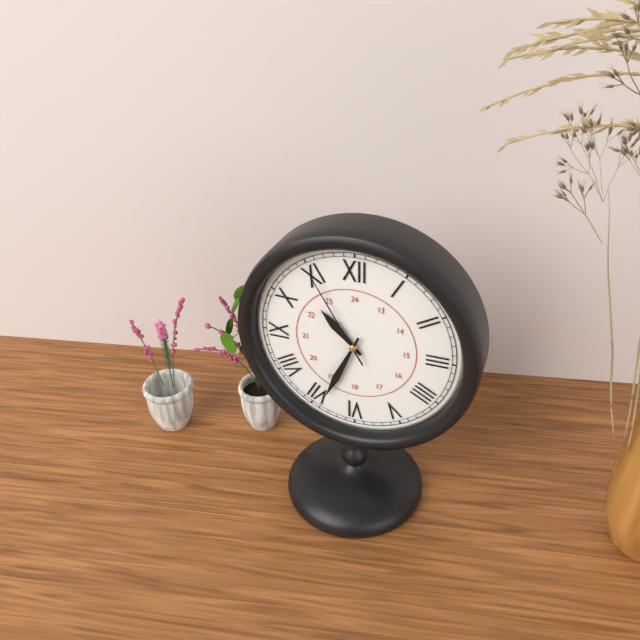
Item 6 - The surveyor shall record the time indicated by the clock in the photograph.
10:34:55
